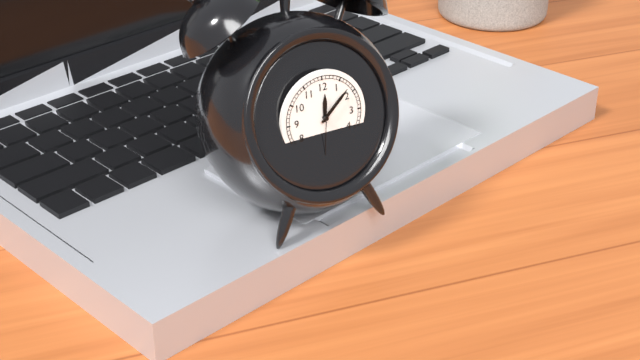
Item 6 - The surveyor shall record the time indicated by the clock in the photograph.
12:08
